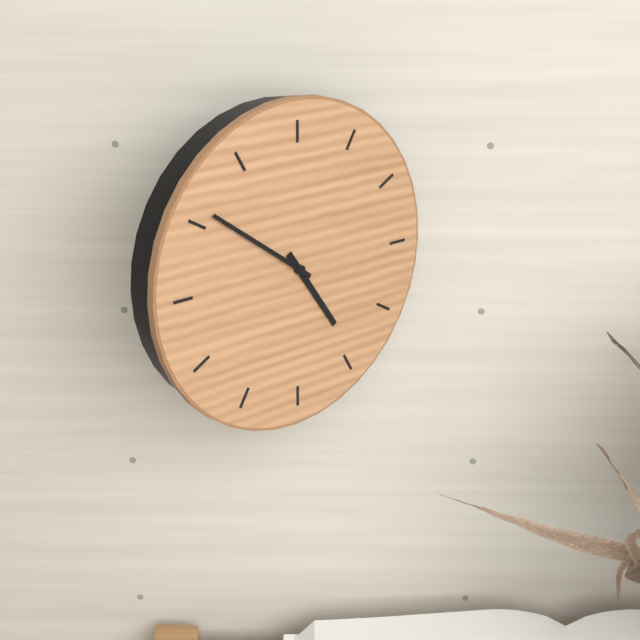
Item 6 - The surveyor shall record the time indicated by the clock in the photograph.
4:51
